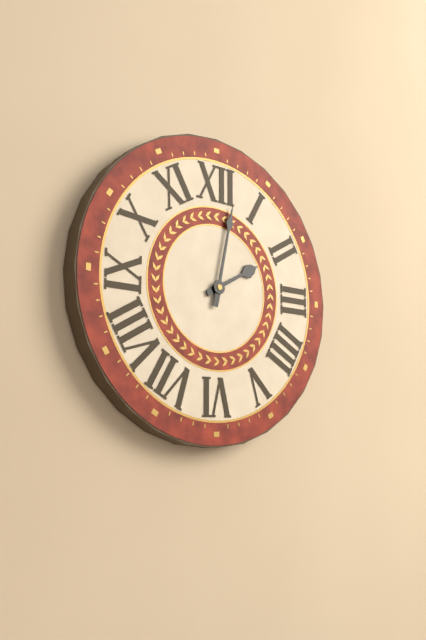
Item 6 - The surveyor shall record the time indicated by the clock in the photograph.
2:02
